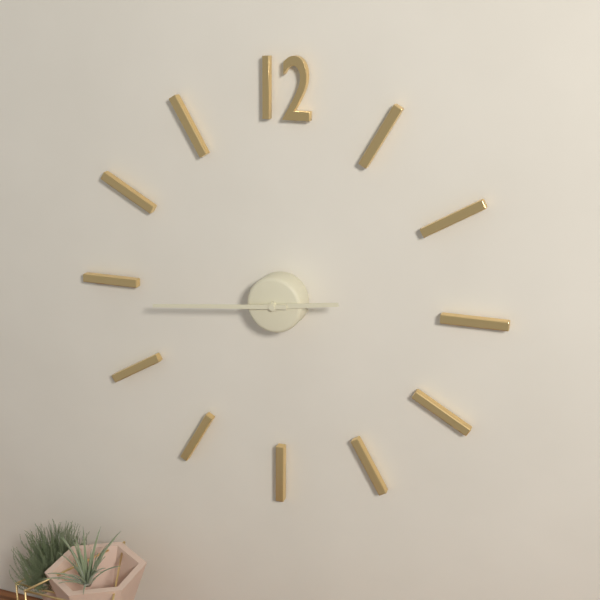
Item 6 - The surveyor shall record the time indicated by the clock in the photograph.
2:44
